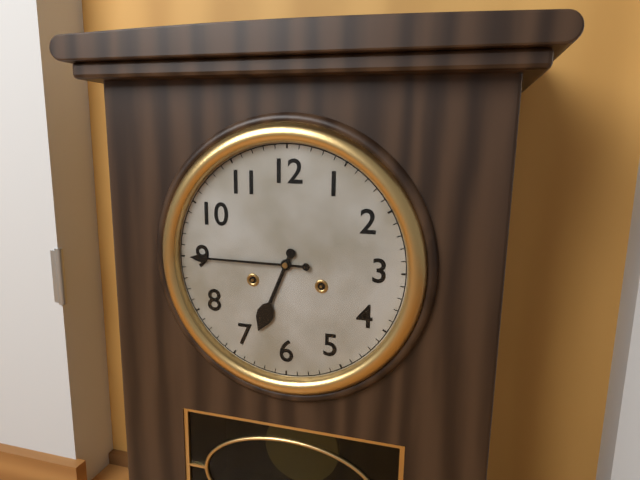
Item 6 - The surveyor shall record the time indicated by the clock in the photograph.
6:45
